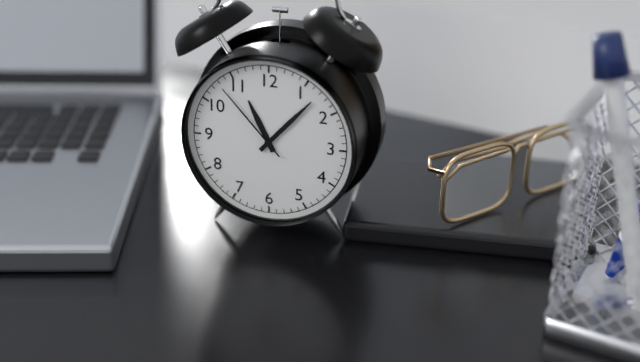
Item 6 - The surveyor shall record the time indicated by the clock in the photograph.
11:07:53
